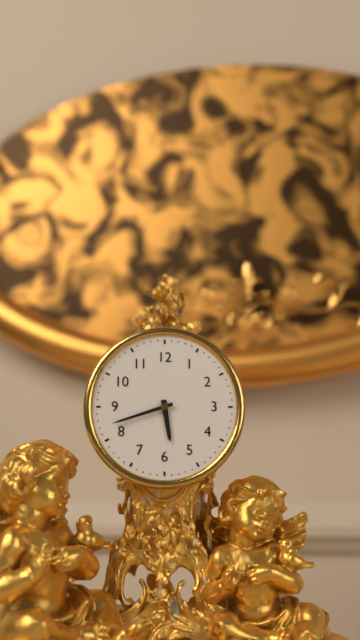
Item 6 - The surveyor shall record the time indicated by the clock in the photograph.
5:42
